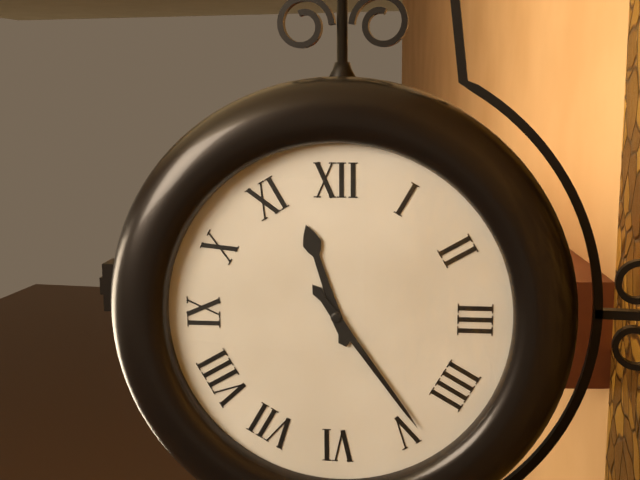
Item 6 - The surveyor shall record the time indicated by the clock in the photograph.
11:24
